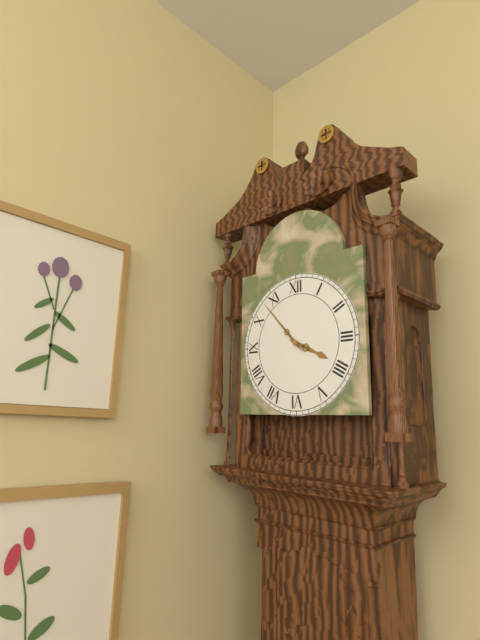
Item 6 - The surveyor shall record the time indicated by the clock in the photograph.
3:53
